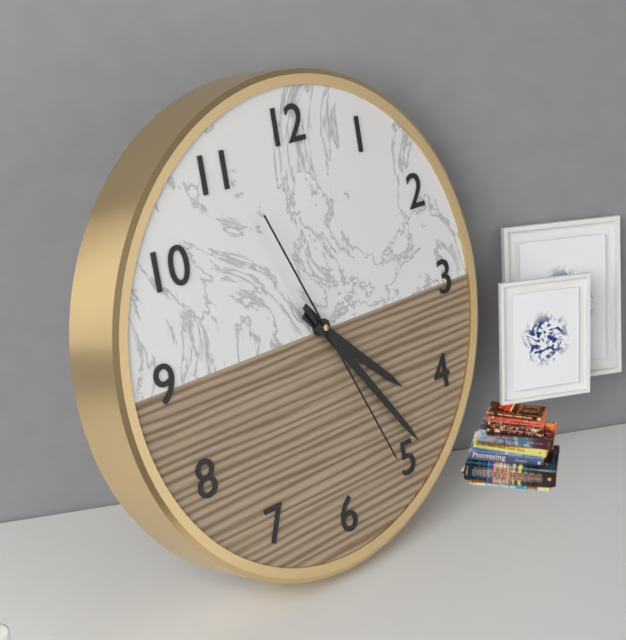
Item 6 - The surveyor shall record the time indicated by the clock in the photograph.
4:24:26
